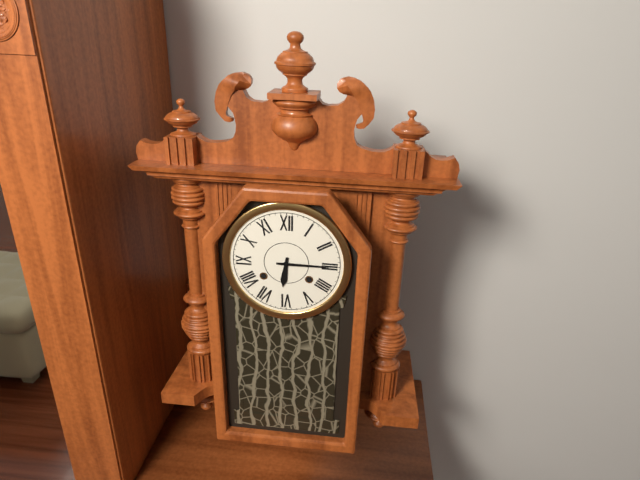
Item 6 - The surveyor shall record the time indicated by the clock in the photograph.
6:15
